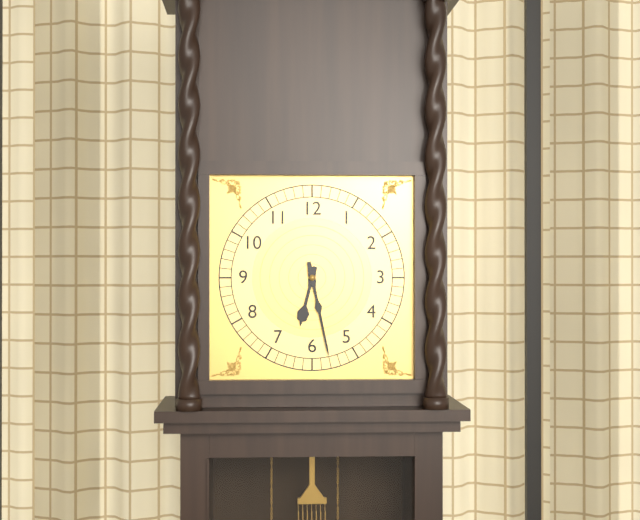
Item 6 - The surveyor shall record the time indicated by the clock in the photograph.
6:28
